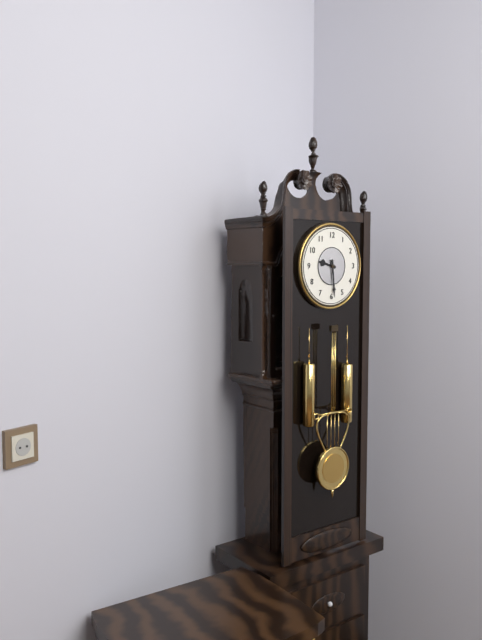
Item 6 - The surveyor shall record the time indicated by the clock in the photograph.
9:29
